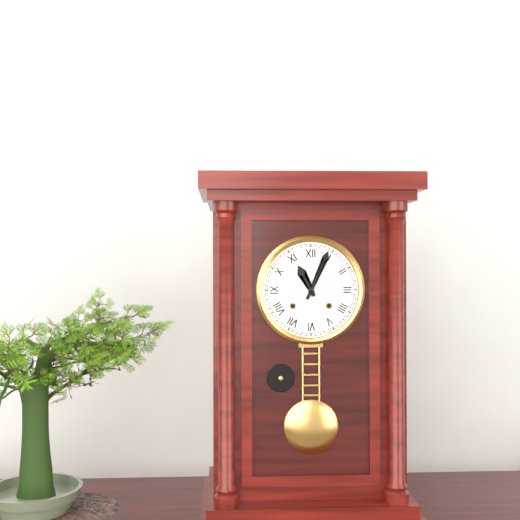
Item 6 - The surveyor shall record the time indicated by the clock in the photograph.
11:04
